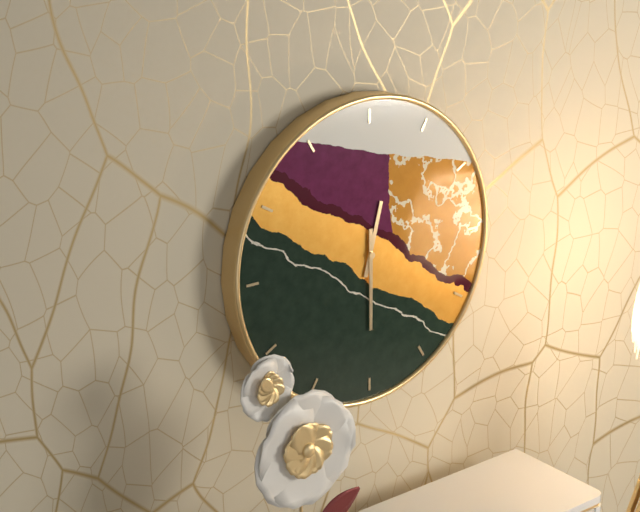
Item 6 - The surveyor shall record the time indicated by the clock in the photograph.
12:30
